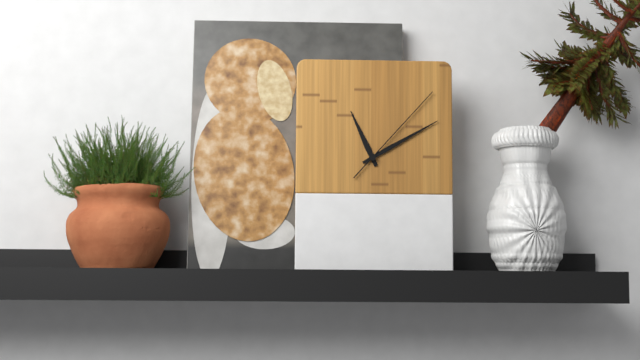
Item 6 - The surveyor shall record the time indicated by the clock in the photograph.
11:10:07
